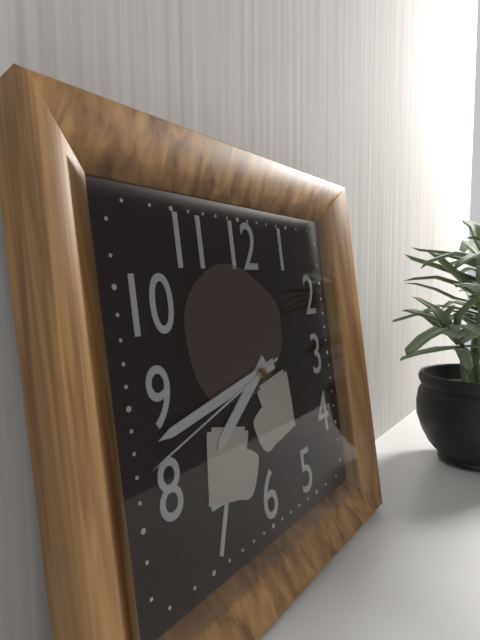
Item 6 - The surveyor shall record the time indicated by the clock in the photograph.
7:43:42
